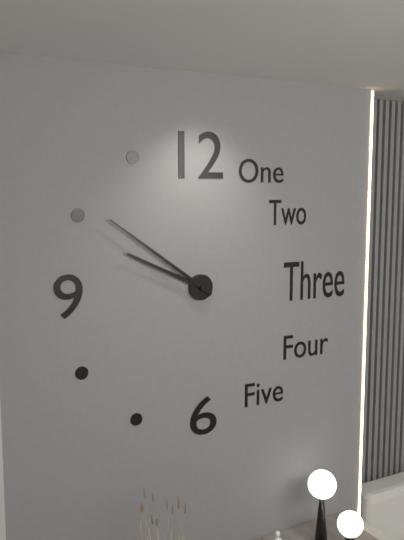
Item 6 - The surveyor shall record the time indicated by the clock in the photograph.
9:51
